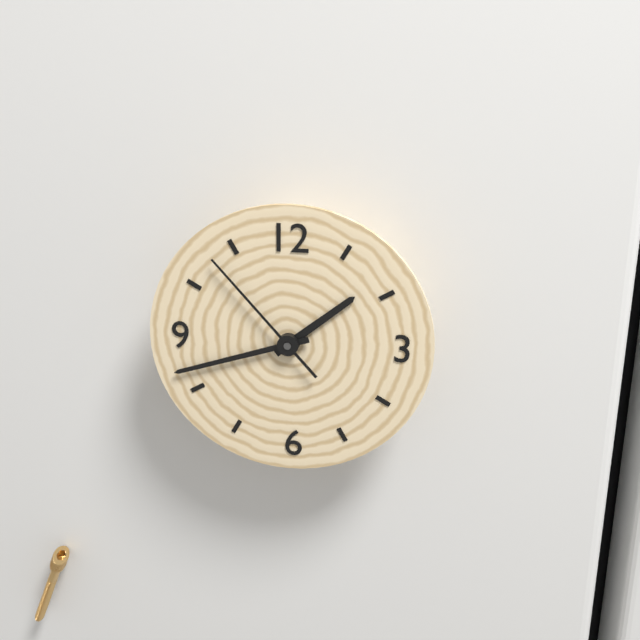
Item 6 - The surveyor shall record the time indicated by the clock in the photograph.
1:42:53
